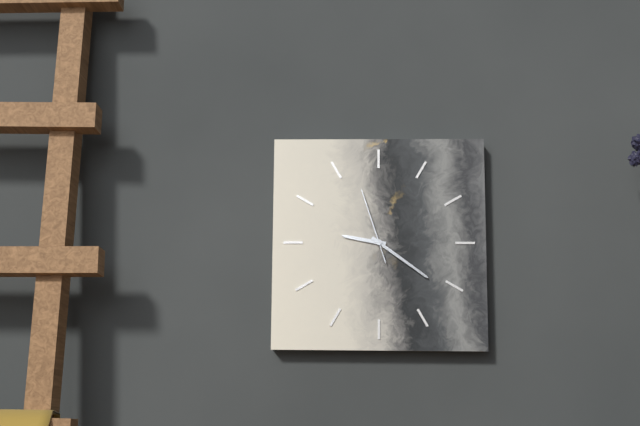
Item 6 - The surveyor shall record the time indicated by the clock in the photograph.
9:21:57
